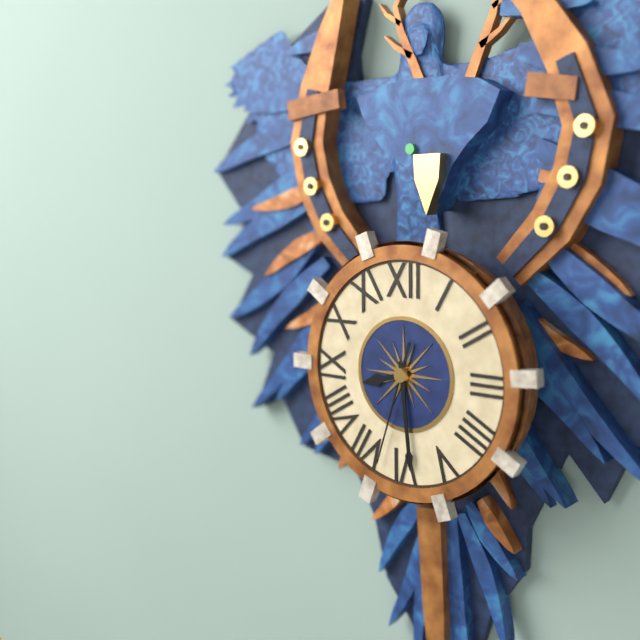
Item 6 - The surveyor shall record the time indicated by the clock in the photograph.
8:29:33
